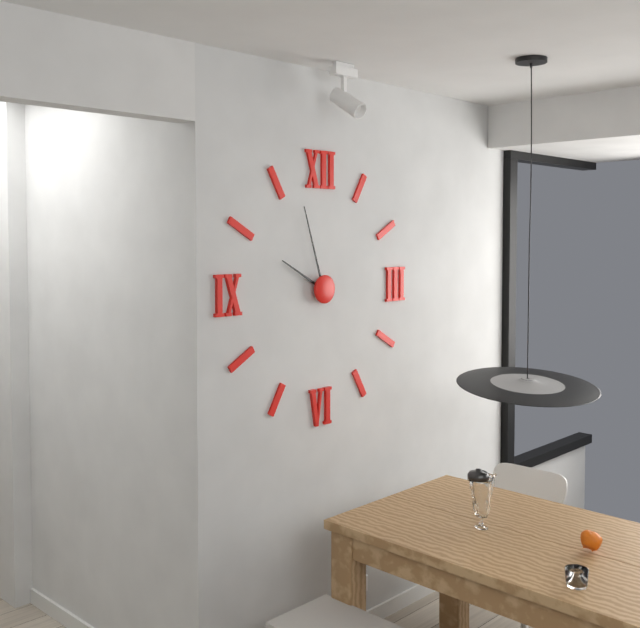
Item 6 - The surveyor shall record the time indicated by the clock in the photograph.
9:57
